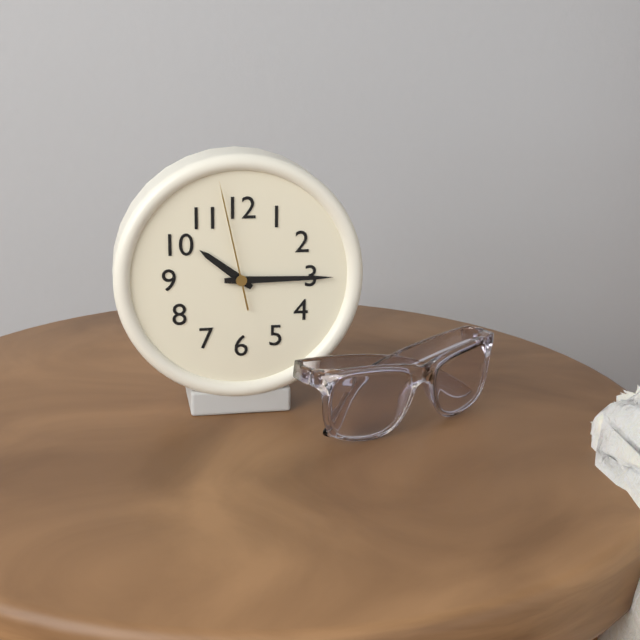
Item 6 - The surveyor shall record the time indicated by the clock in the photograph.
10:15:58
